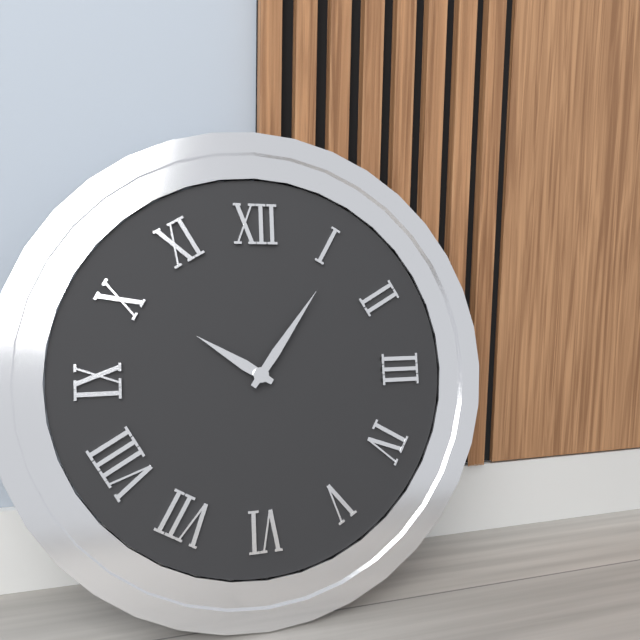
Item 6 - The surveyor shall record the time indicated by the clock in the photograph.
10:06
